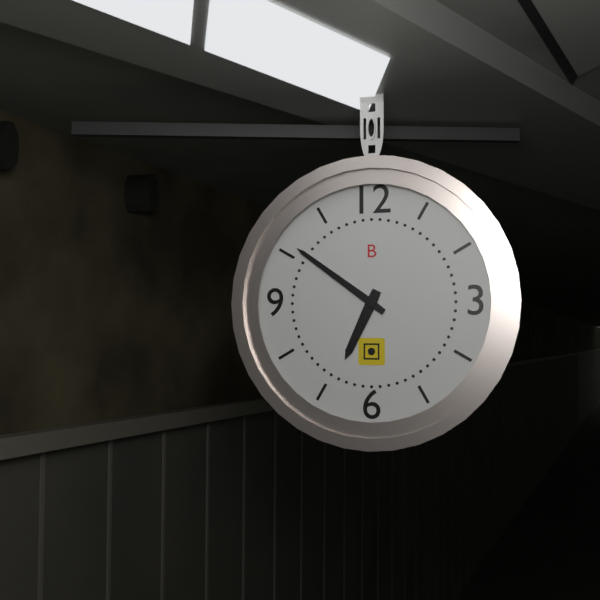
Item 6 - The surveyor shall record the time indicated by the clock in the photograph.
6:51
